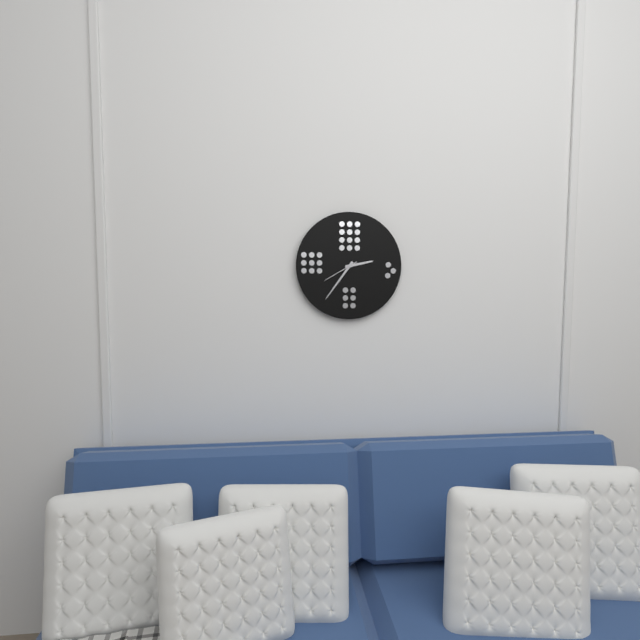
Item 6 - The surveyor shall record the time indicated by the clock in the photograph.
2:36
